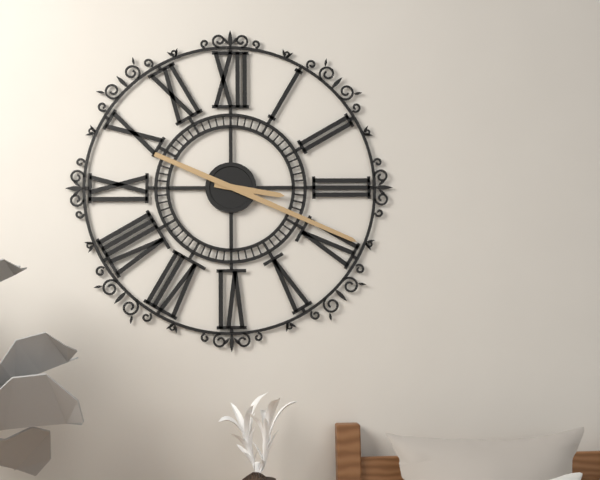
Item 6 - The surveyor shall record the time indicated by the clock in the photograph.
3:19
